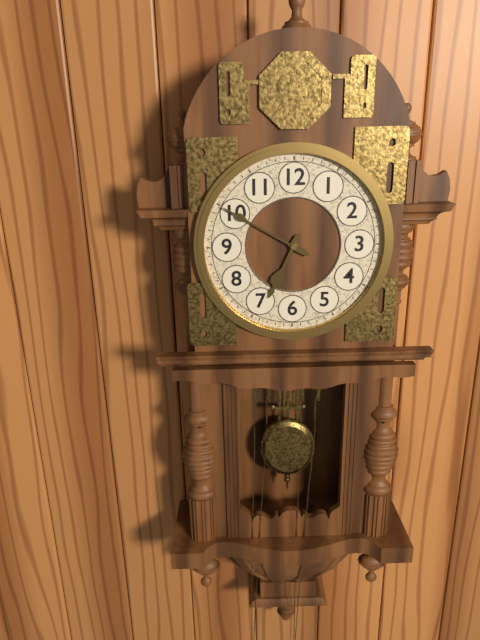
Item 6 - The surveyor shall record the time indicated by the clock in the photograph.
6:50
